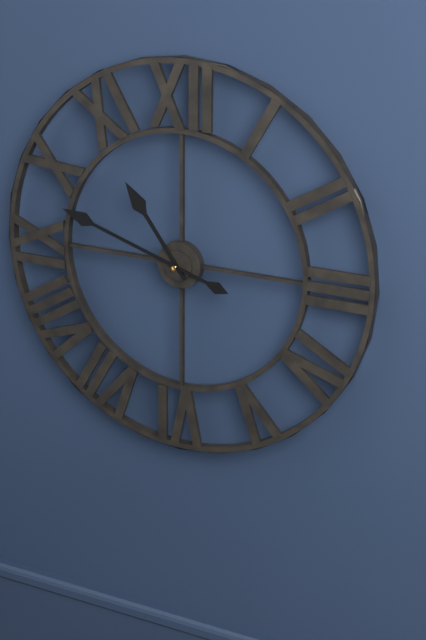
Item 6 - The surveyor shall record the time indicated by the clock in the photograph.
10:48
